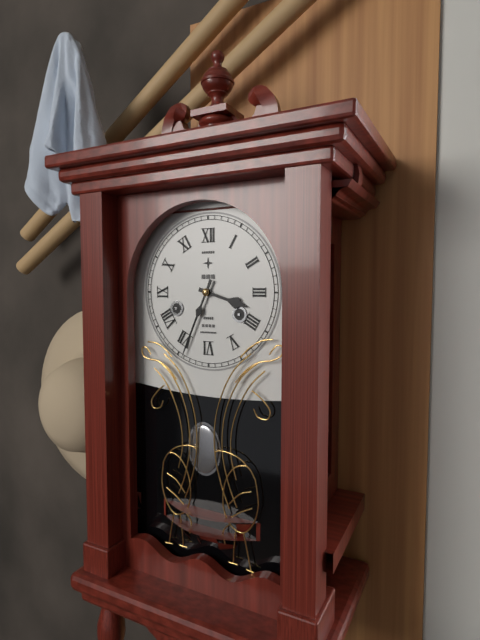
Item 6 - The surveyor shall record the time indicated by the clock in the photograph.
3:34
